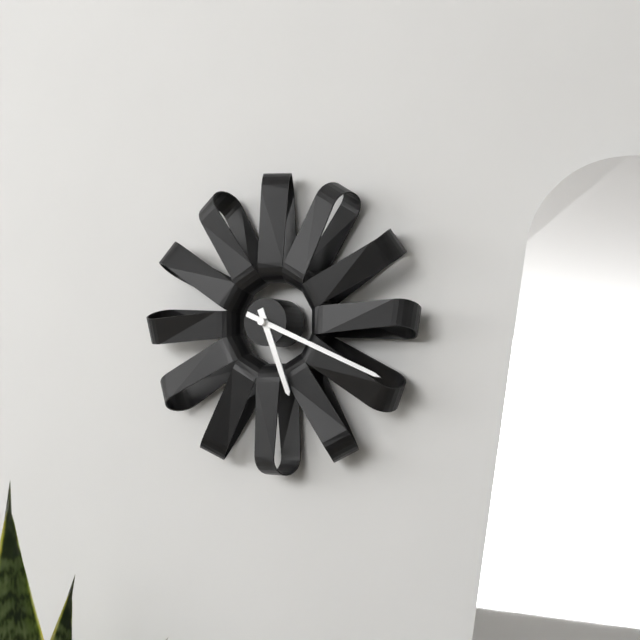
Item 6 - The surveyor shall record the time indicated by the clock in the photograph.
5:19
